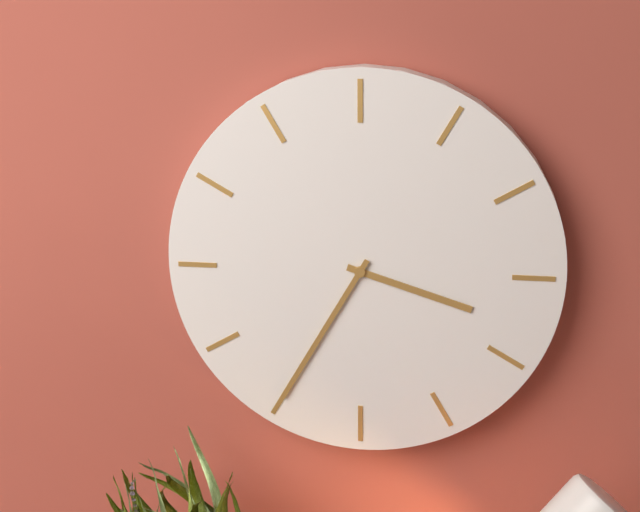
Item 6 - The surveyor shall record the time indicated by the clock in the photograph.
3:35
